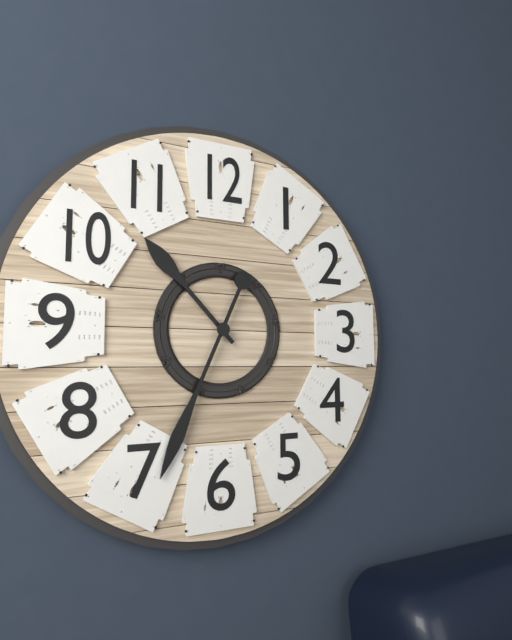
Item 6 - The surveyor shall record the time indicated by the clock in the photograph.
10:34
